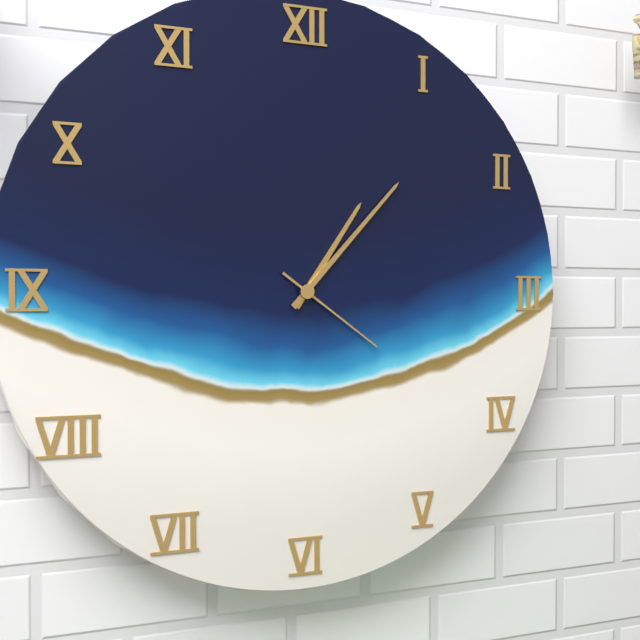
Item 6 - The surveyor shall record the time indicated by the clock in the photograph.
1:07:21
